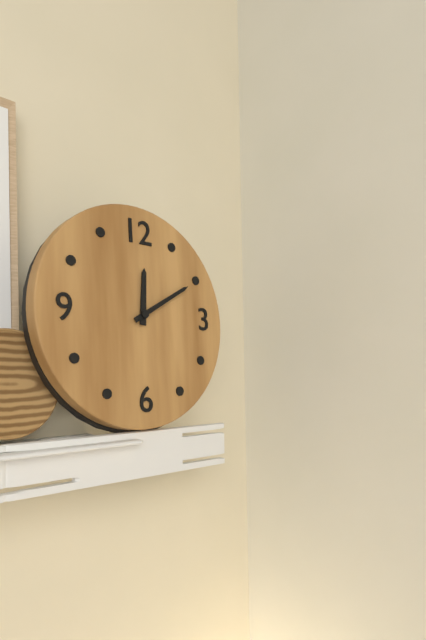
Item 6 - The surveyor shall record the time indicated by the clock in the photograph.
12:10
